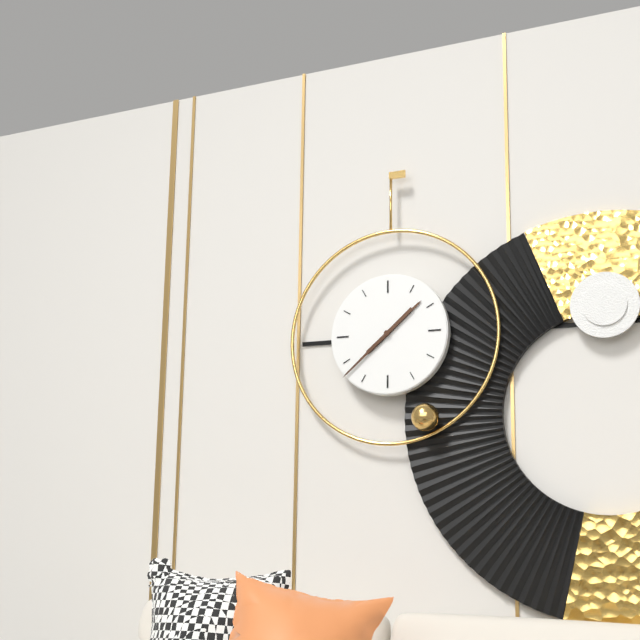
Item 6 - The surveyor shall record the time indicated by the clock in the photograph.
1:38
